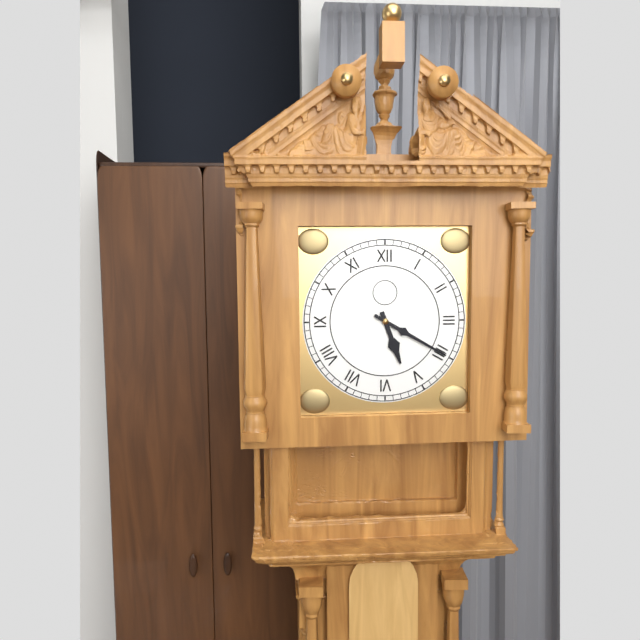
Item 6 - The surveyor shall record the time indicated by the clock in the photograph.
5:20
